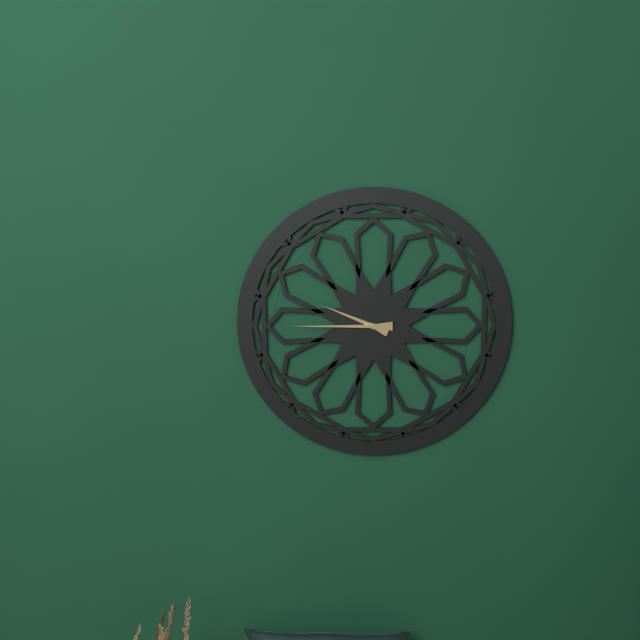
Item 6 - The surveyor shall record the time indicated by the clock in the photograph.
9:45
